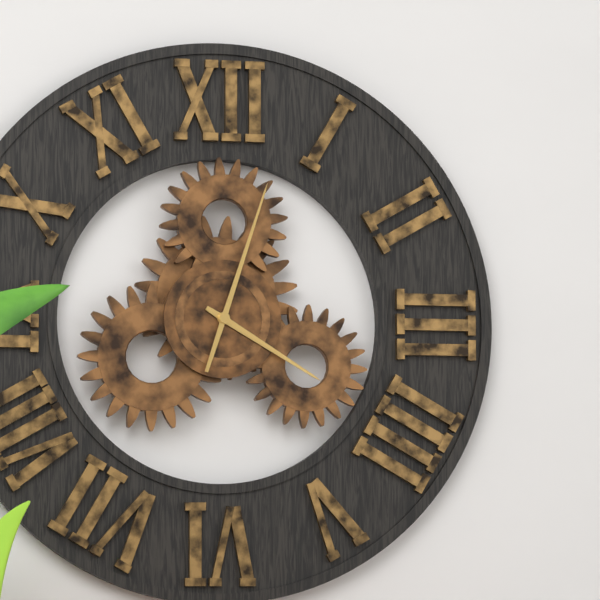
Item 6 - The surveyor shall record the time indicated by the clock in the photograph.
4:03
